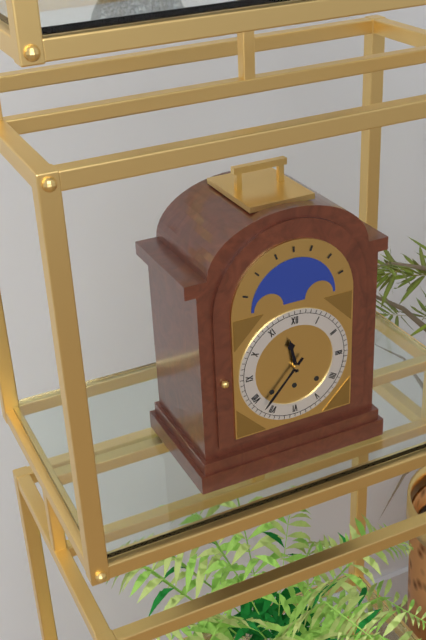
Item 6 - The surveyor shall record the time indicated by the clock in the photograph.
11:37
